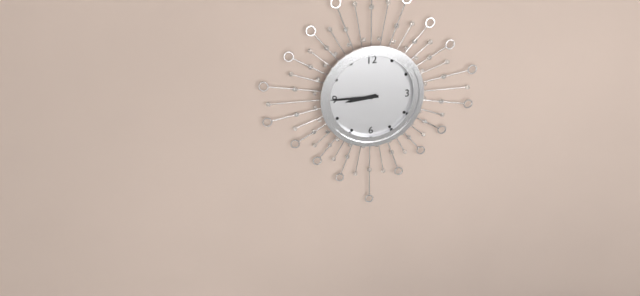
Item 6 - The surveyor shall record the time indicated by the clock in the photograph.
8:45
